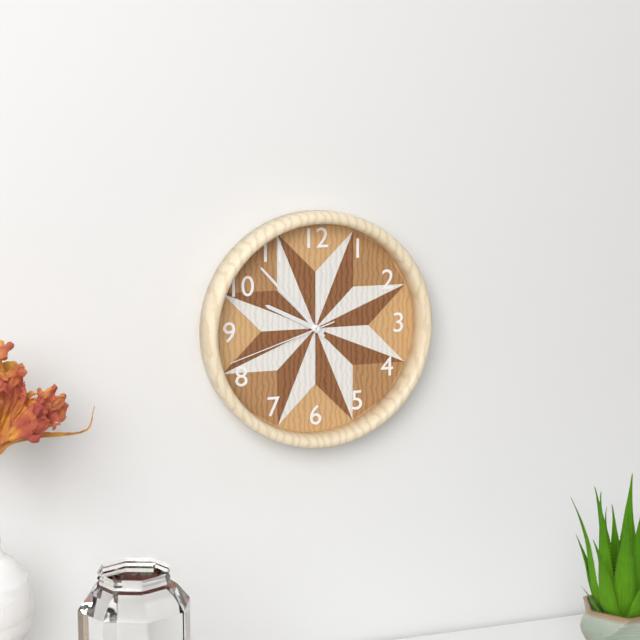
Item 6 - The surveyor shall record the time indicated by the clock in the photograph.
9:53:42
